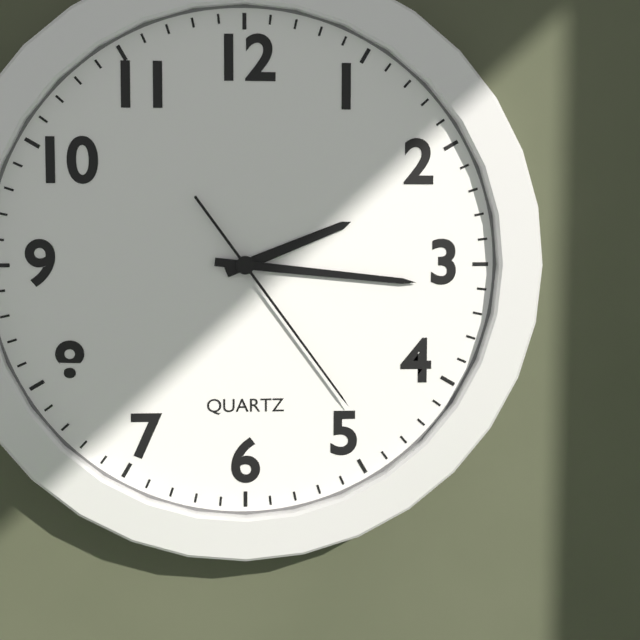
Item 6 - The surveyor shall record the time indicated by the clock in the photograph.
2:16:24
